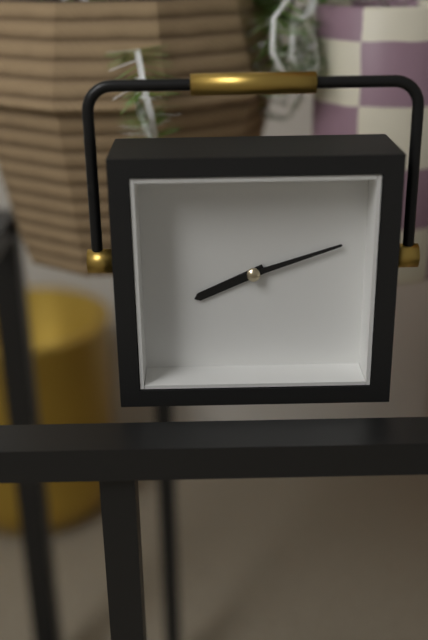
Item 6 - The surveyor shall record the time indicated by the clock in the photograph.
8:12
